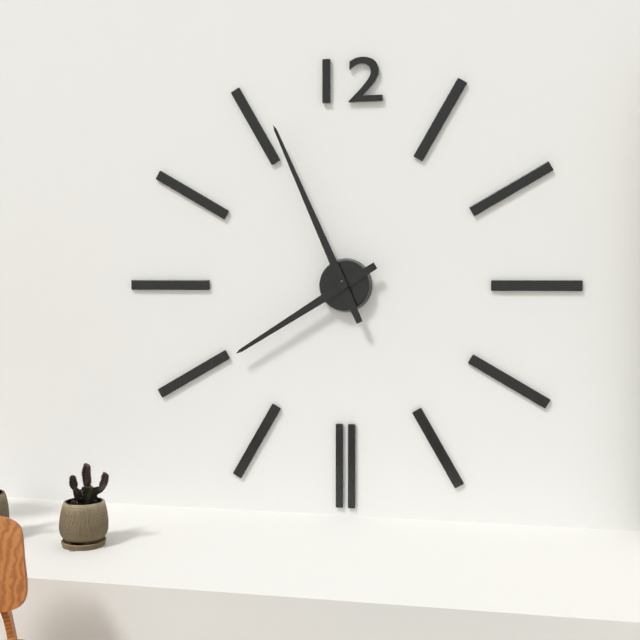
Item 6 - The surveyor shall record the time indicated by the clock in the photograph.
7:56
